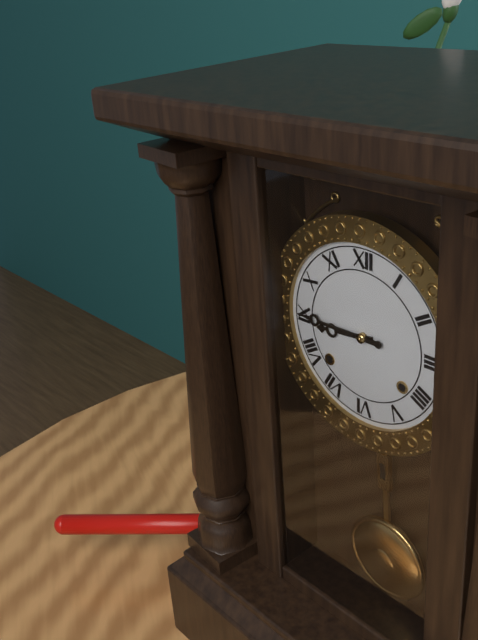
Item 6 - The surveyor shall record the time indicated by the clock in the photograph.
8:45
